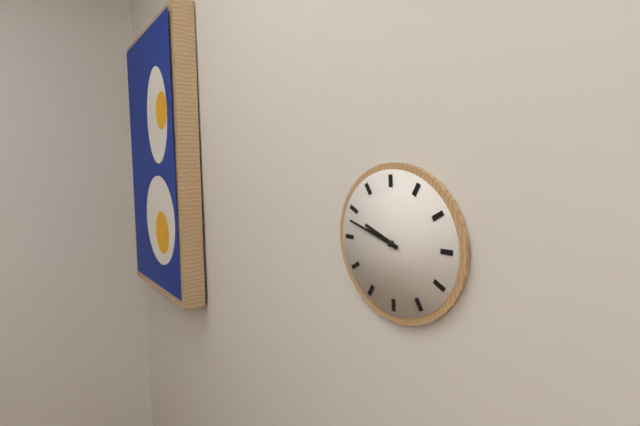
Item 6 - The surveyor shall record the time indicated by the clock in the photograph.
9:48
